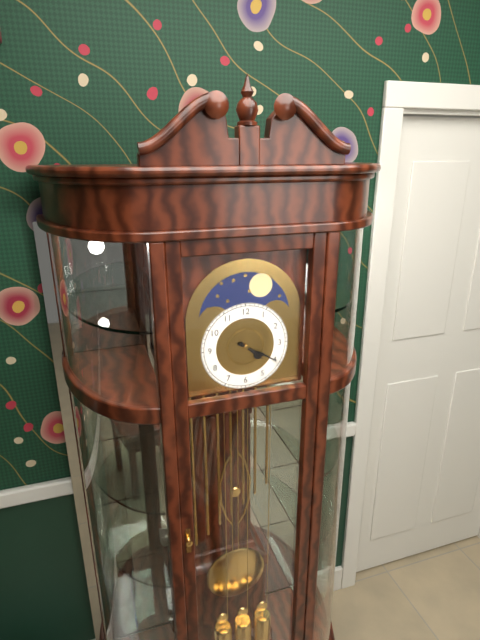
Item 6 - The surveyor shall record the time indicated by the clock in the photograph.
4:20
